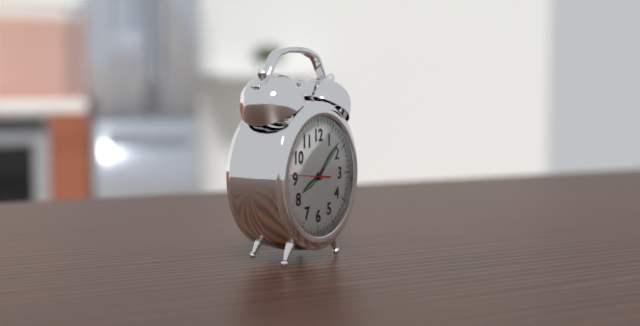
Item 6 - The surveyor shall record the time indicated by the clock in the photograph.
8:08
